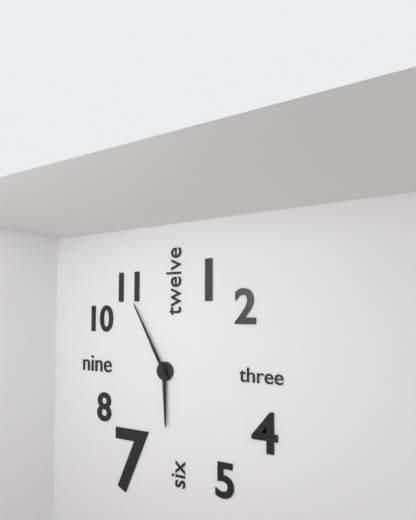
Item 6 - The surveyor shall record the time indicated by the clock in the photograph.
5:55
